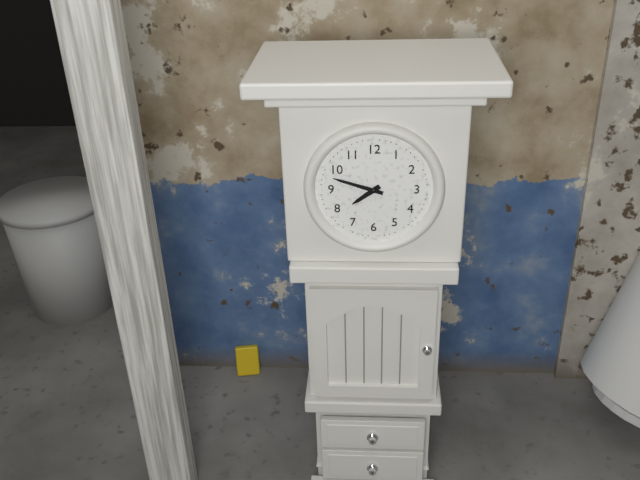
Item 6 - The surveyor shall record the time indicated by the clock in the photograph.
7:48
